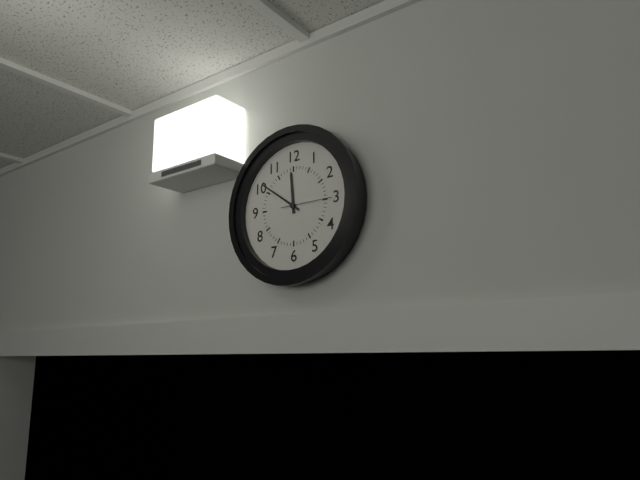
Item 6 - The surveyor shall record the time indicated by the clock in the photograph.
11:51
